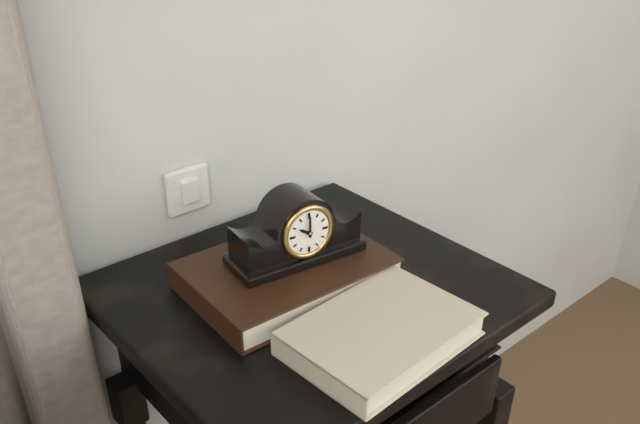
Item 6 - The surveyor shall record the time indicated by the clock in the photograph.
10:00
